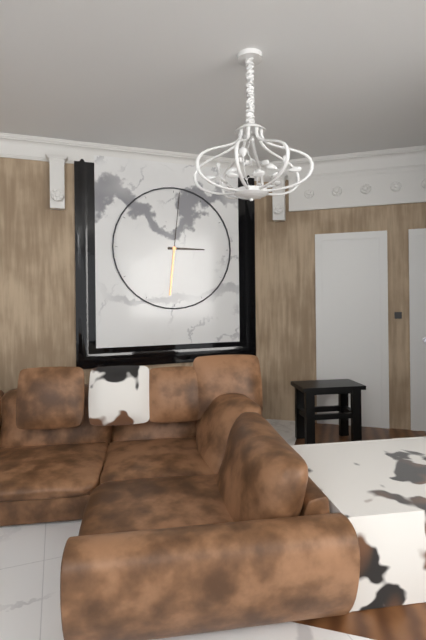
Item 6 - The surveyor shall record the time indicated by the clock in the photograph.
3:01
